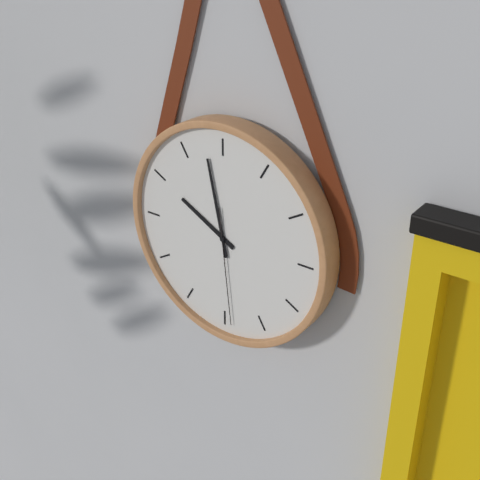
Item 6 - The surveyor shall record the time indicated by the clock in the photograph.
9:58:29
